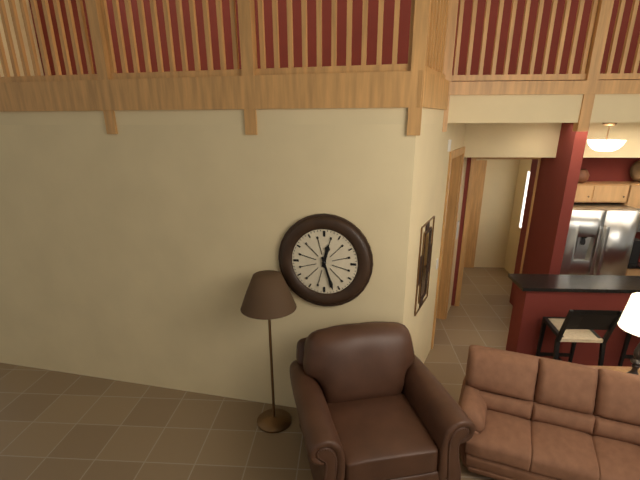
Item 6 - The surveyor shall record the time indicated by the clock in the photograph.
12:27
